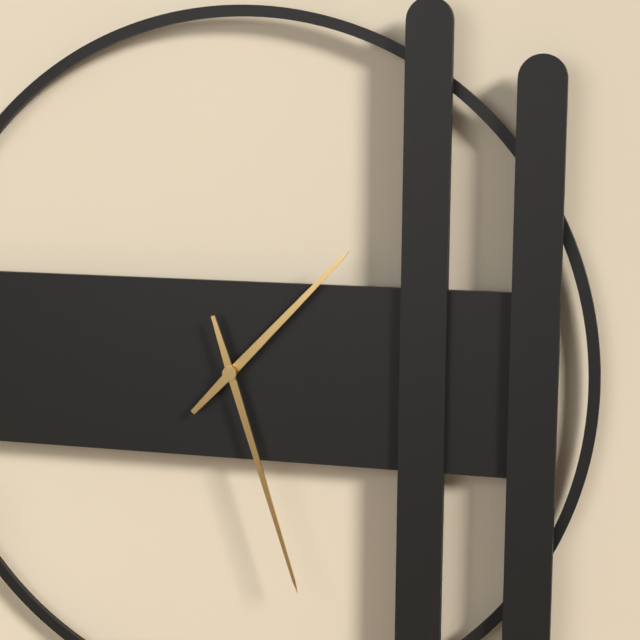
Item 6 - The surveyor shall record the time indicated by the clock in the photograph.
1:27
